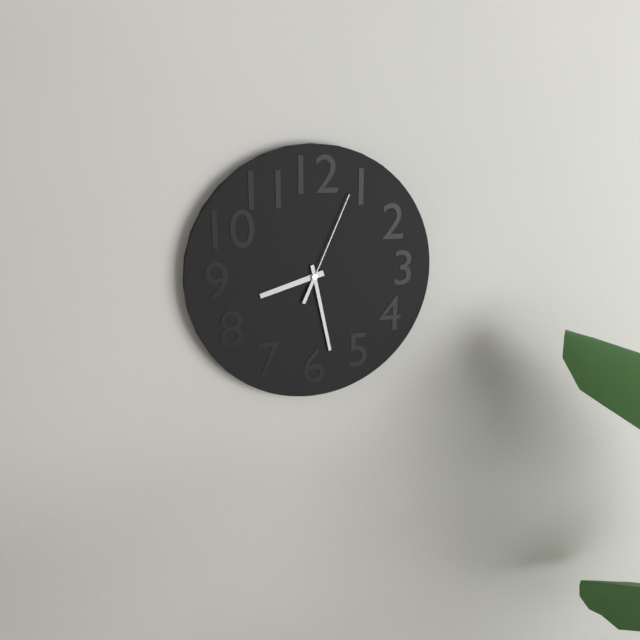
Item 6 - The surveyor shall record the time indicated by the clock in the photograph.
8:28:04
